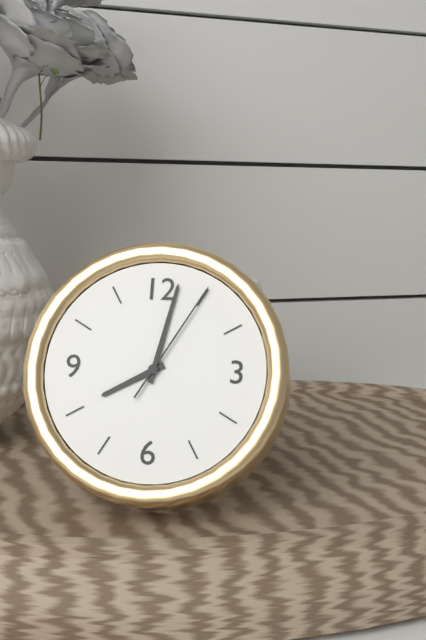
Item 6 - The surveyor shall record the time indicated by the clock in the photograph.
8:02:05
